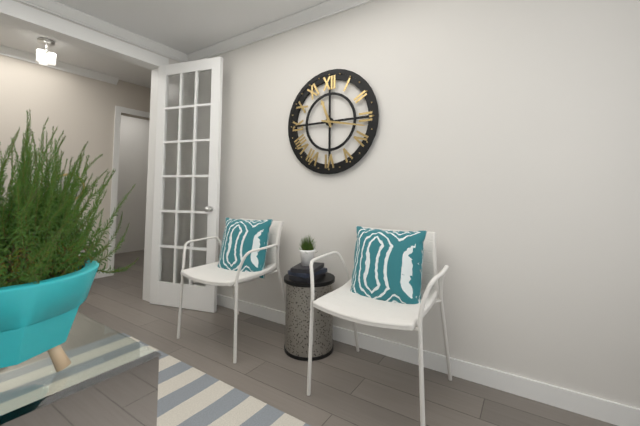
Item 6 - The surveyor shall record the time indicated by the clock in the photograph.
11:17
